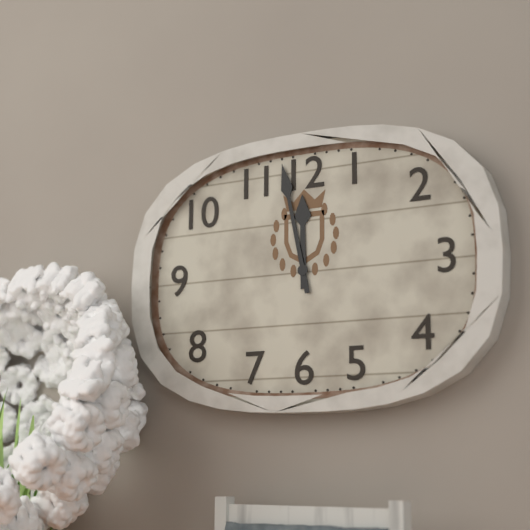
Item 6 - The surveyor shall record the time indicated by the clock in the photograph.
11:58
